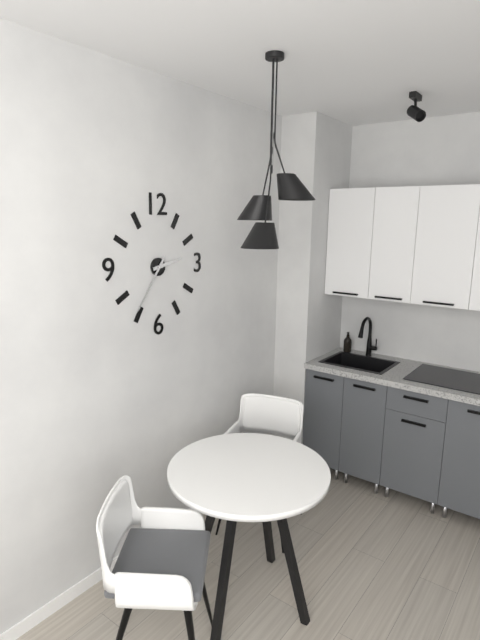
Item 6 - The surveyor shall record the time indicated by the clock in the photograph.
2:36
